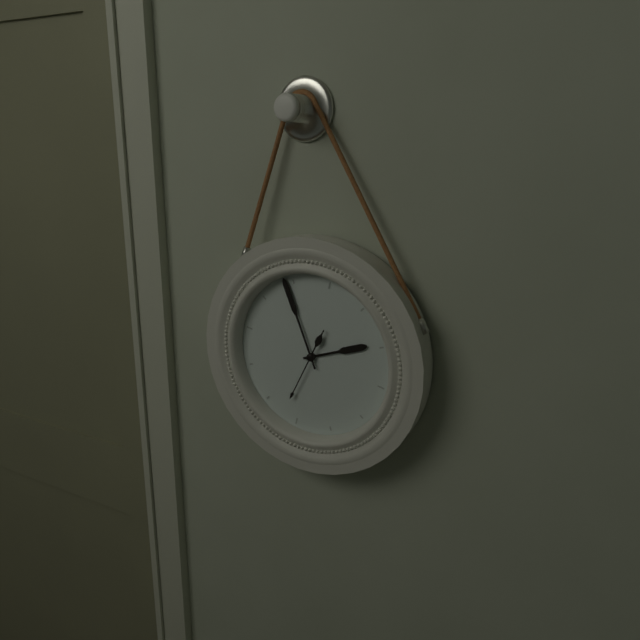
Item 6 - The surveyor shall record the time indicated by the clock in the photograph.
1:54:32
